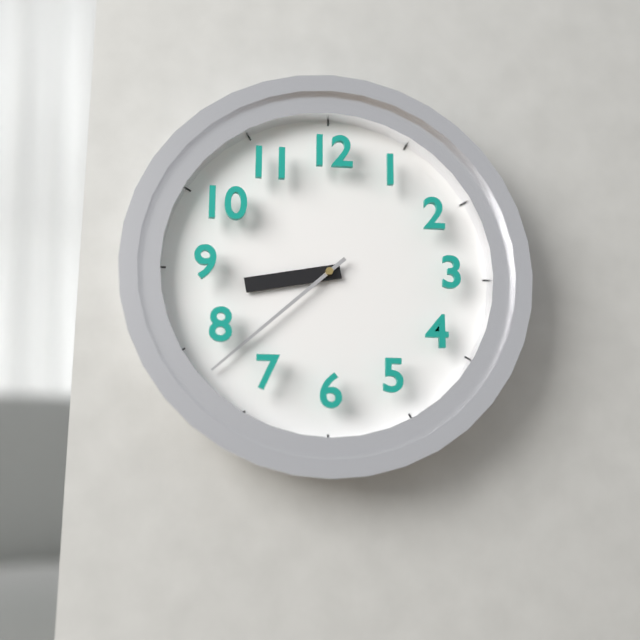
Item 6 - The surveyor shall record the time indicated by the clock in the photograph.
8:38
